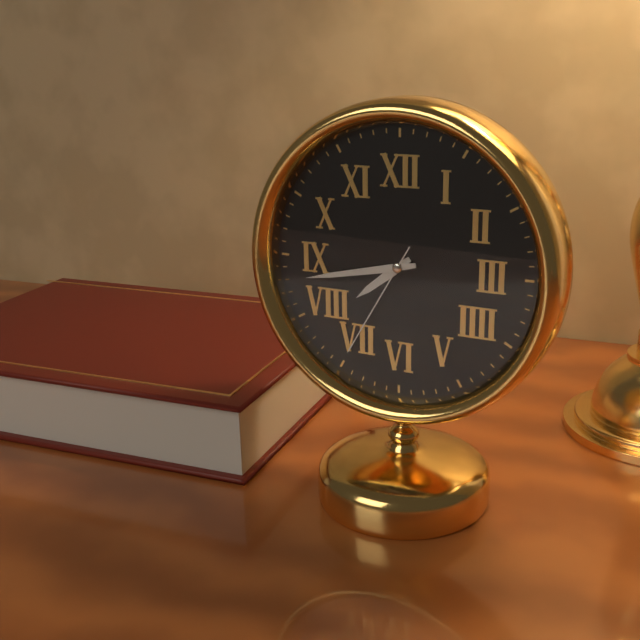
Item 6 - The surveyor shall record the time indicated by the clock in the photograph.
7:43:35
